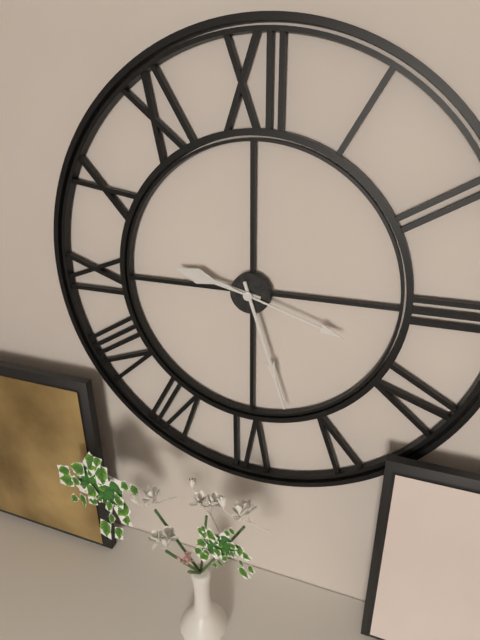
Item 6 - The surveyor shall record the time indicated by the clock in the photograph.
9:27:18
